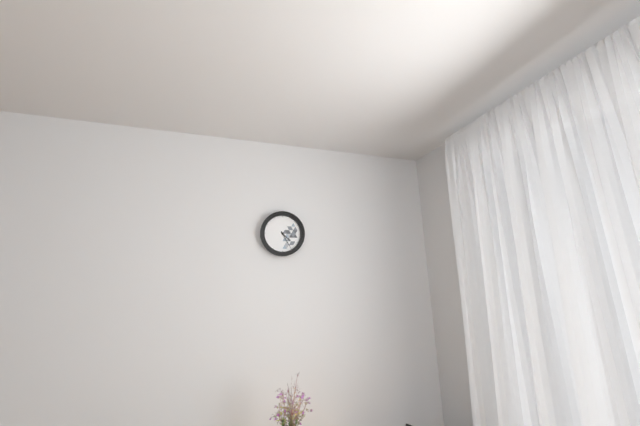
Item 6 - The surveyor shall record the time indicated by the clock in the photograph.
4:25
